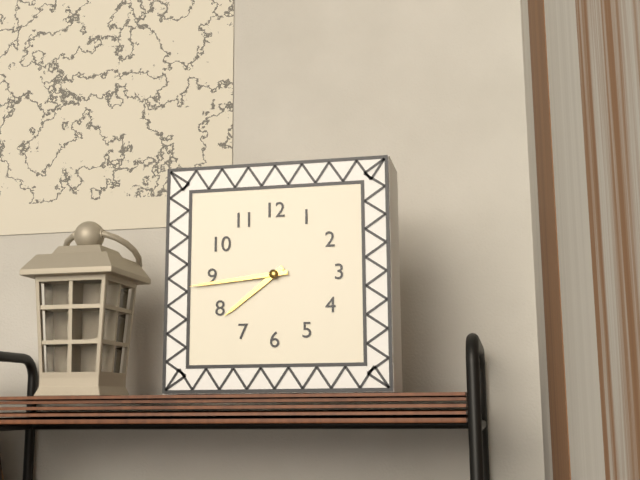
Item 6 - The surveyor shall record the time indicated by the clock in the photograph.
7:44
